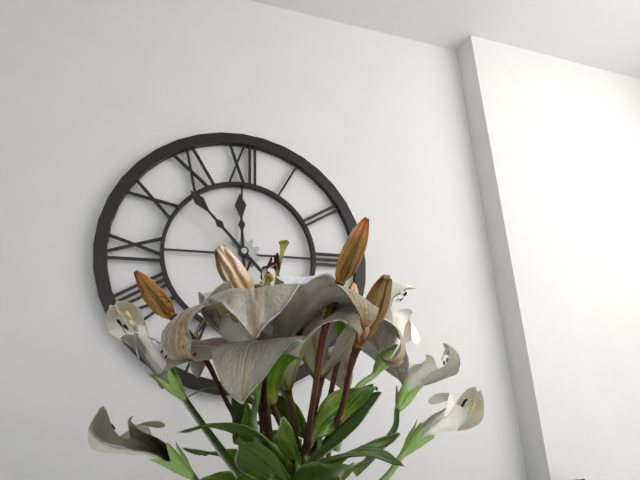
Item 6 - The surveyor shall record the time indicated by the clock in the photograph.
11:53
